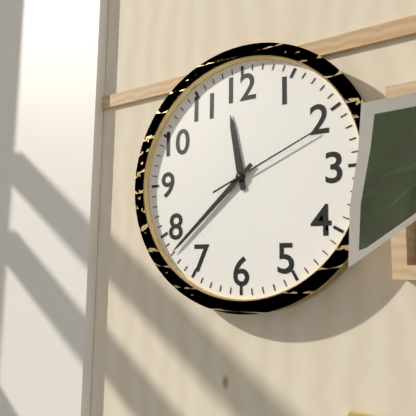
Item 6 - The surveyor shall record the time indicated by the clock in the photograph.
11:38:11
